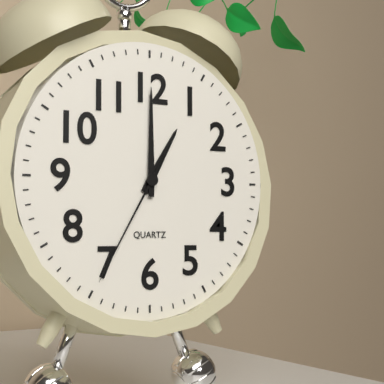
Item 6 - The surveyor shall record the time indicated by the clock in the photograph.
1:00:35
